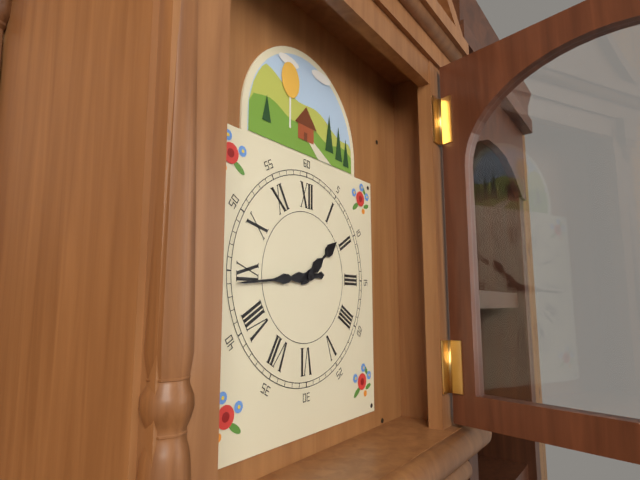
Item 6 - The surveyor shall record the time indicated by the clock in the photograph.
1:44
